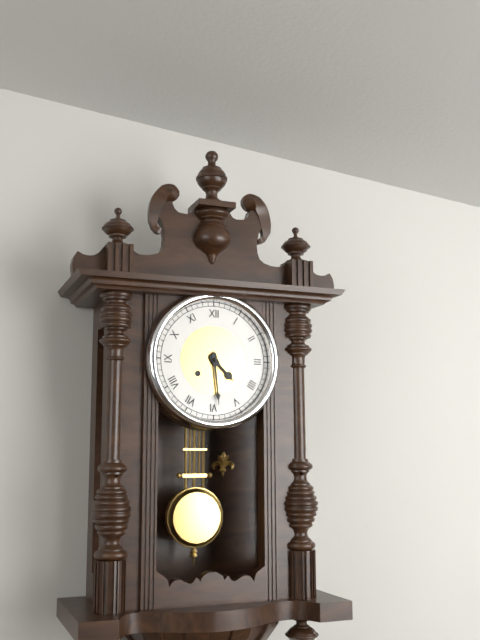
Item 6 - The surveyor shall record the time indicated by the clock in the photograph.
4:29
